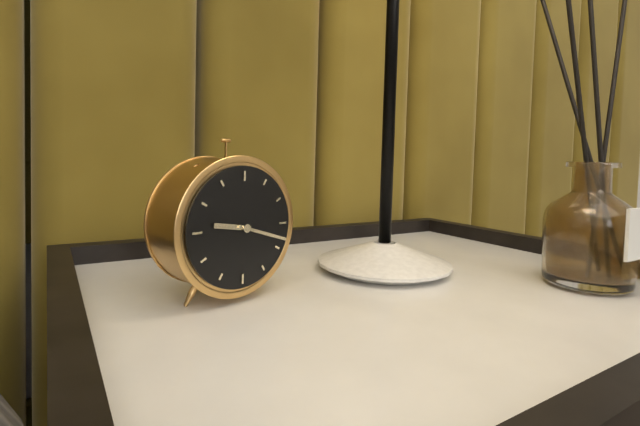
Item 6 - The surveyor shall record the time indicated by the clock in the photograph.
9:18
